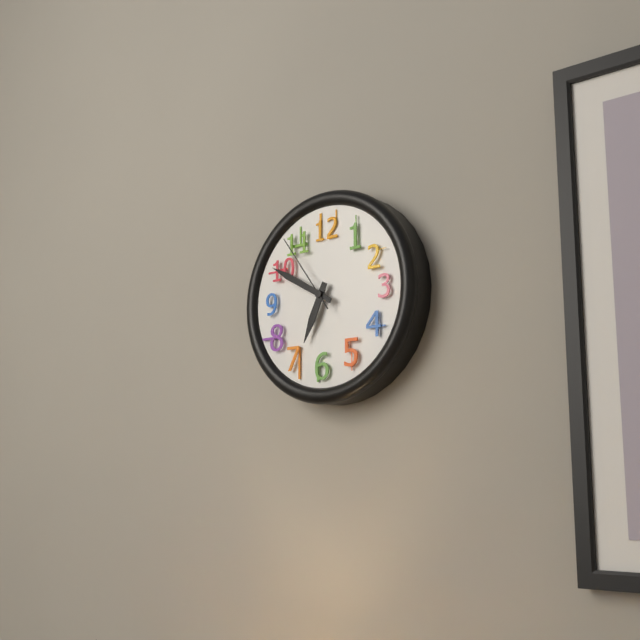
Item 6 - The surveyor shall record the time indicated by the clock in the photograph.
6:50:54
